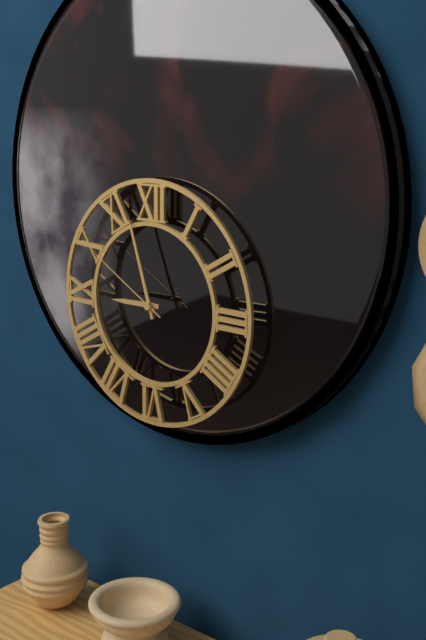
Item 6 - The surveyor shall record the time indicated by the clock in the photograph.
8:57:50
